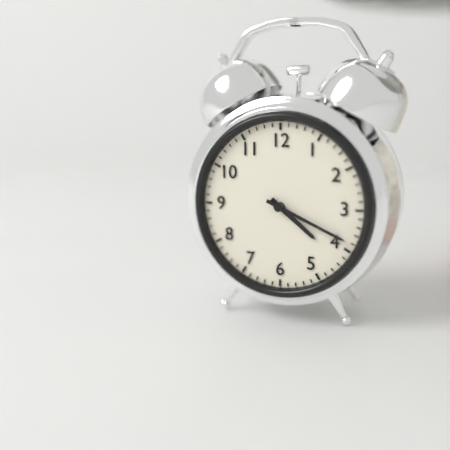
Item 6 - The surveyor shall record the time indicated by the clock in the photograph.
4:19
